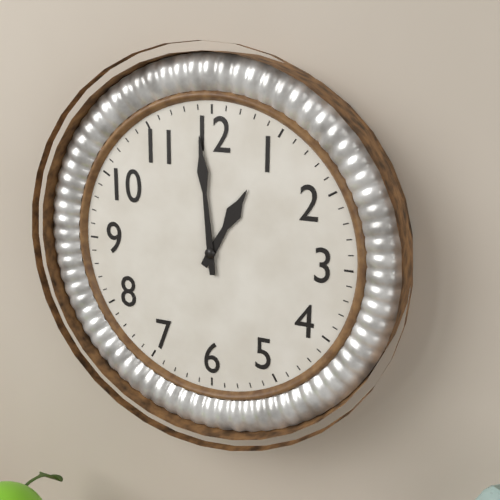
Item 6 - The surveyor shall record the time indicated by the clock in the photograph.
12:59
